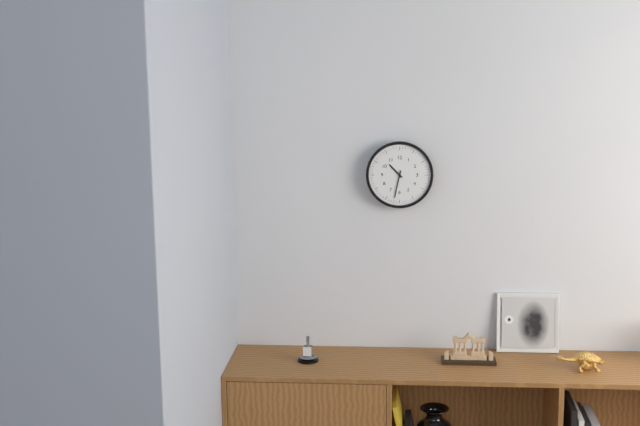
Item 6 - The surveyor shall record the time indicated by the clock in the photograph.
10:32
